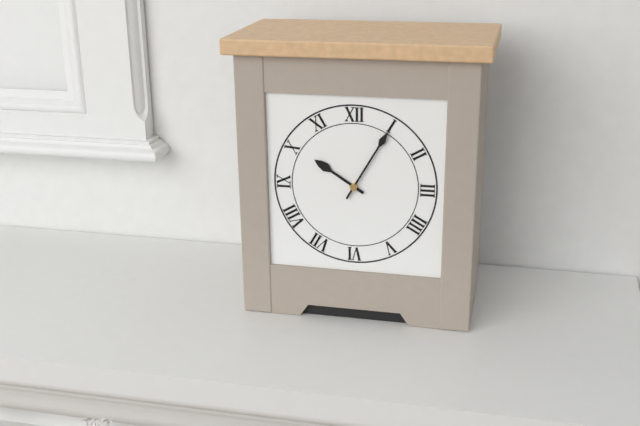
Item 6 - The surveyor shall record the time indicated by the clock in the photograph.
10:05
